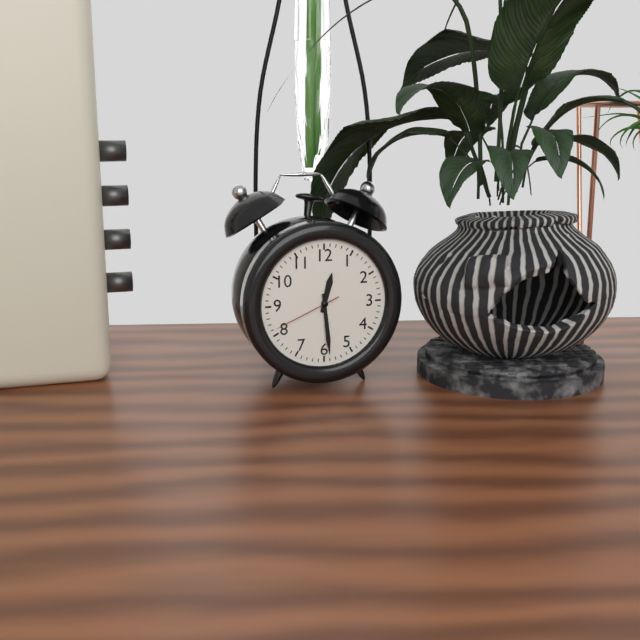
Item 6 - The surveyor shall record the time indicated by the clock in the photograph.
12:29:41
